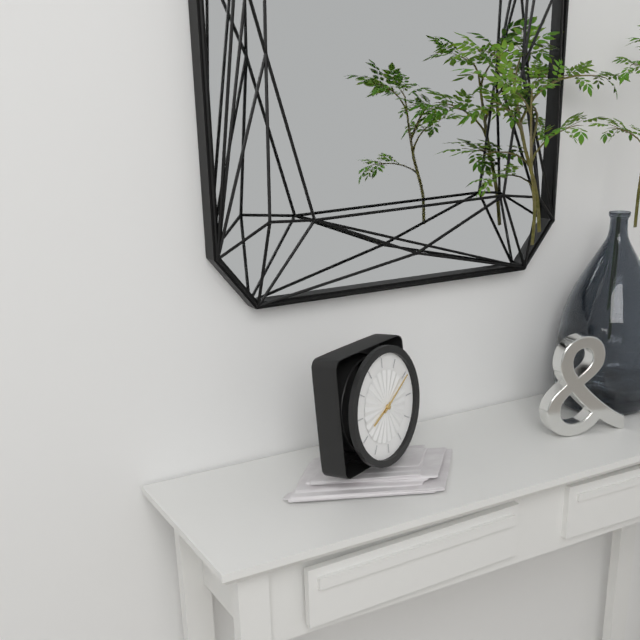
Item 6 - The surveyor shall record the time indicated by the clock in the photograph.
8:10
